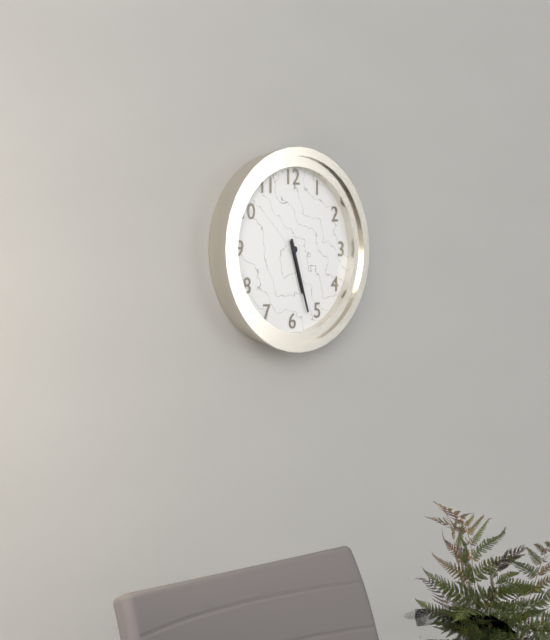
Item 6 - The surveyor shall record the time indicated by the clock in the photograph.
5:27
